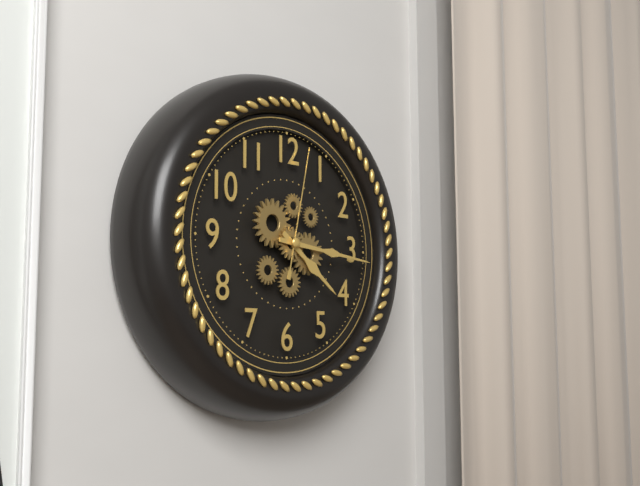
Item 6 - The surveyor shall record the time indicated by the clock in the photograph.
4:16:02
